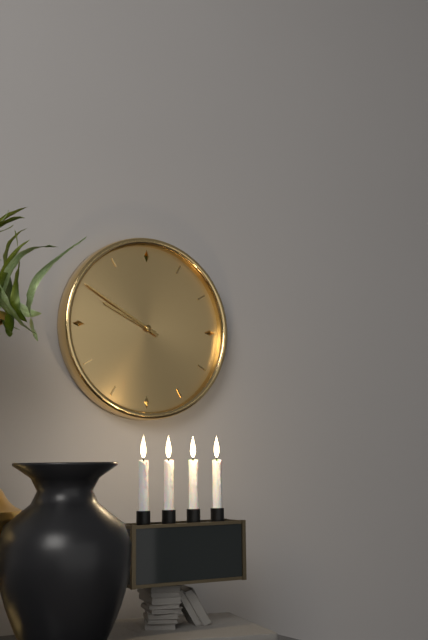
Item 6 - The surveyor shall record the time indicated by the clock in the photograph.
9:50
